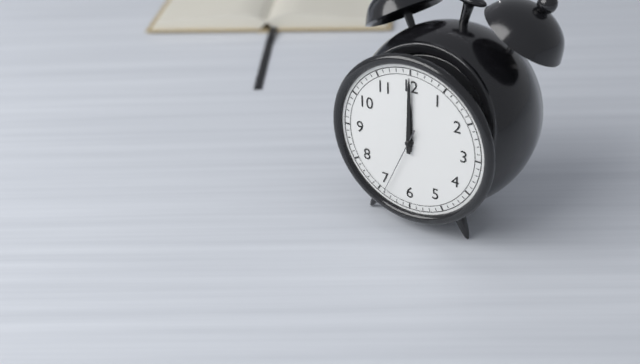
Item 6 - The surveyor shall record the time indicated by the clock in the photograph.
12:00:34
